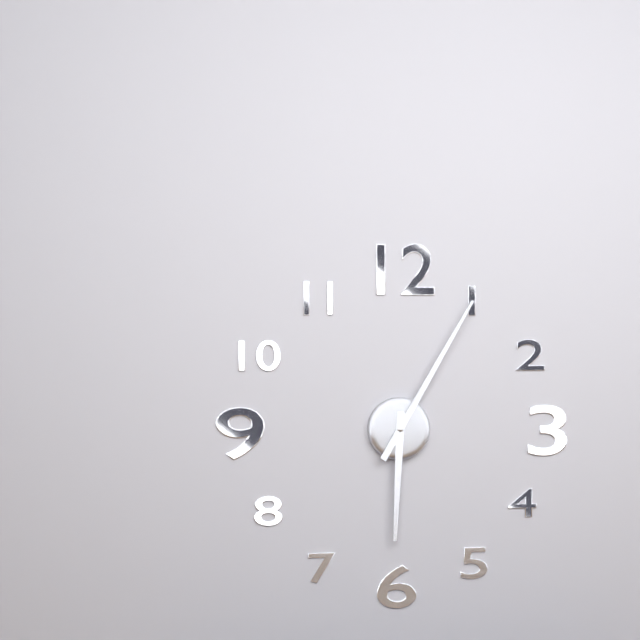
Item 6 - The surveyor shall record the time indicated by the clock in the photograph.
6:05
